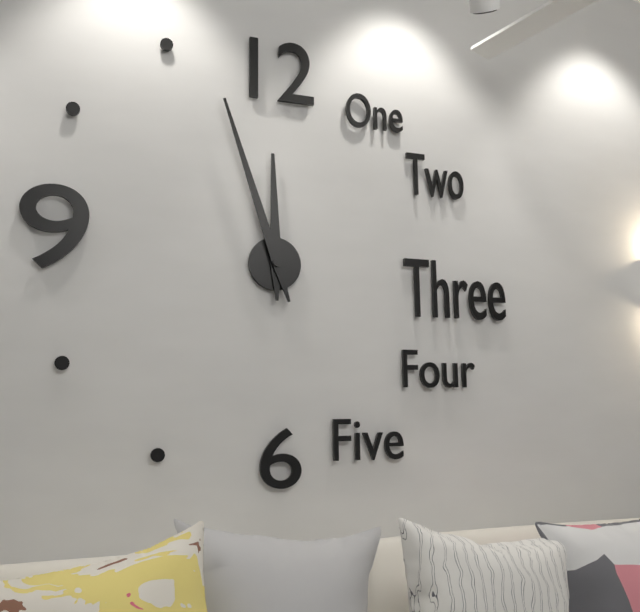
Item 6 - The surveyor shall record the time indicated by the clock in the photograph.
11:57
